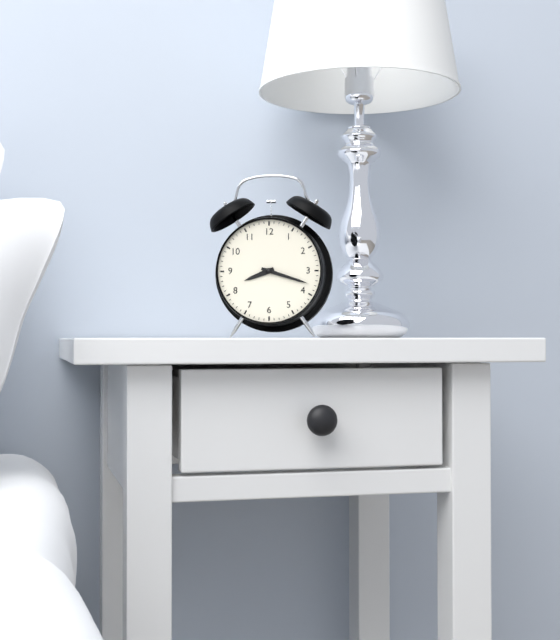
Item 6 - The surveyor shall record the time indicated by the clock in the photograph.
8:18
